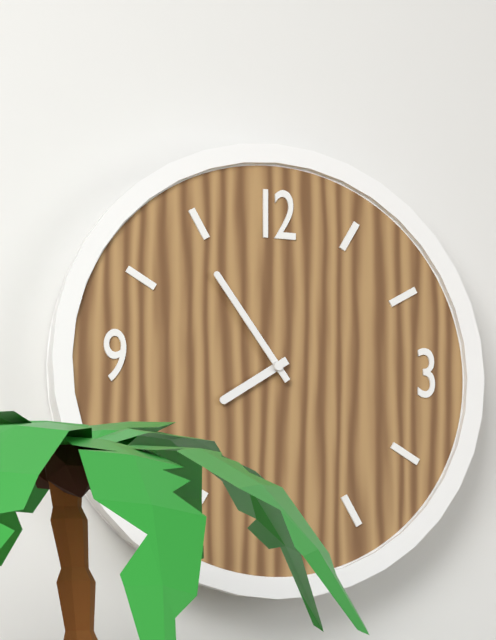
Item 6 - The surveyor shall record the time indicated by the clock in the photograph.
7:54
